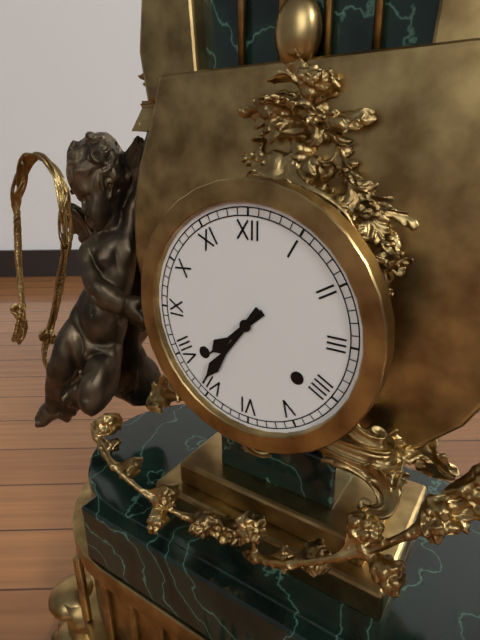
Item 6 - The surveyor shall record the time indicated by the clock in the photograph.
7:36
